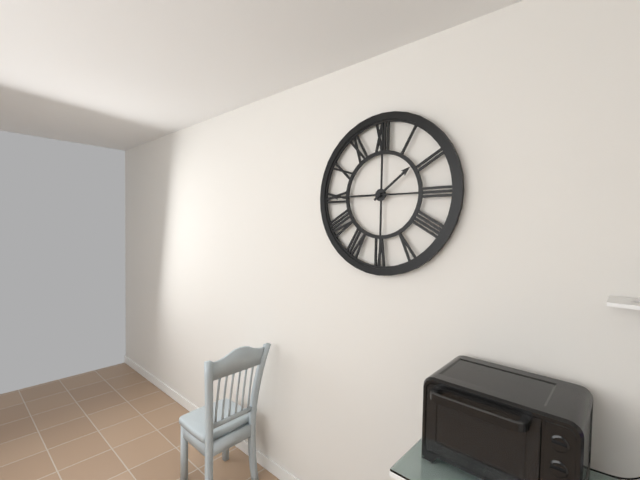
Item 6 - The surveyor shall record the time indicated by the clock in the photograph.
1:45
